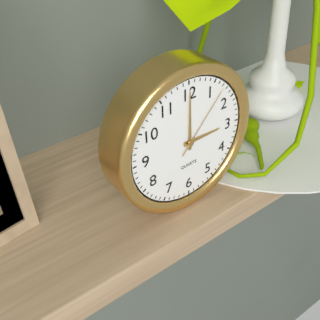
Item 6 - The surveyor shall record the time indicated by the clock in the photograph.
3:00:07
